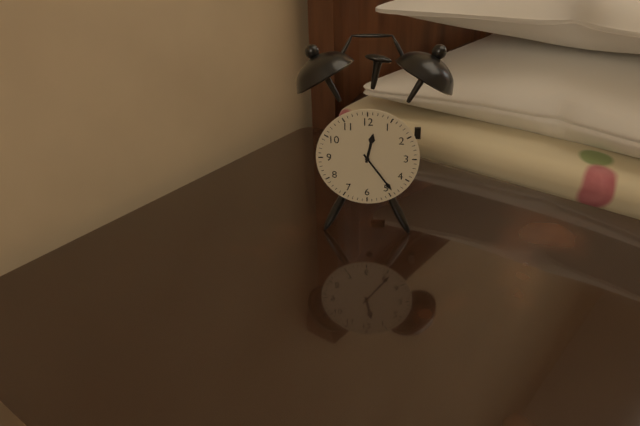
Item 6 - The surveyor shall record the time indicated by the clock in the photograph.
12:24
